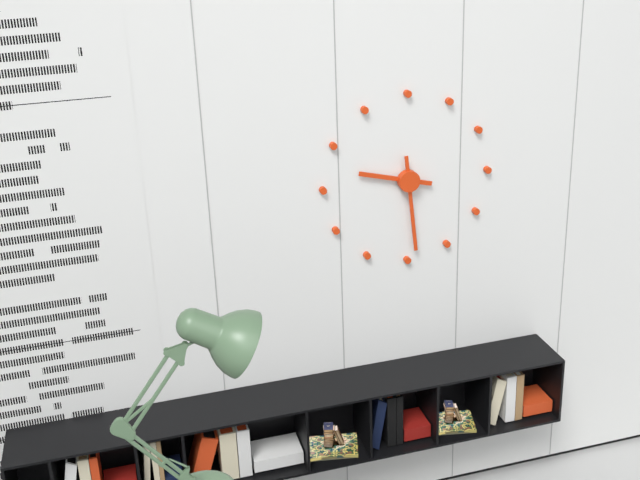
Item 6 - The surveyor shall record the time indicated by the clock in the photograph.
9:29
